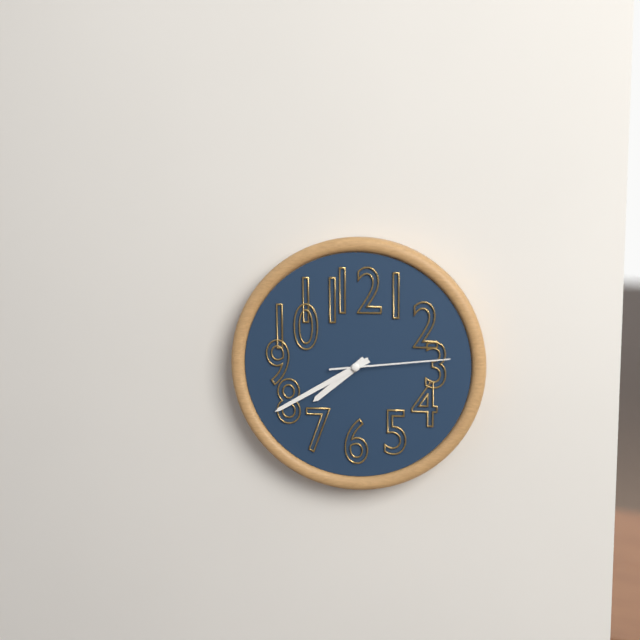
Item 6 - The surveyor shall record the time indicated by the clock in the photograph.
7:40:14
